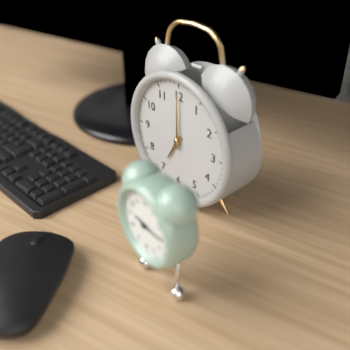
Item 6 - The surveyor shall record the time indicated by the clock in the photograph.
7:00
